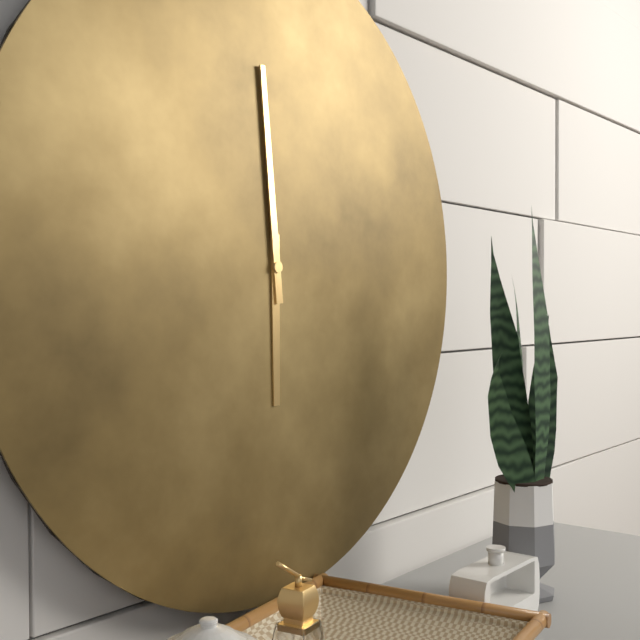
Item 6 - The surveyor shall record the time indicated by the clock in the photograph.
5:59
